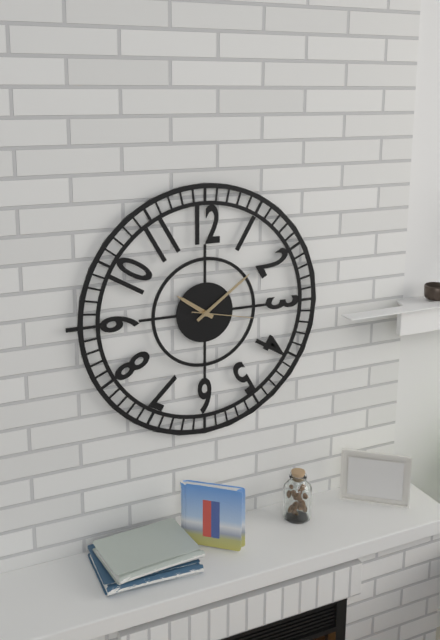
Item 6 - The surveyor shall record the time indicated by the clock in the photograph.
10:09:17
